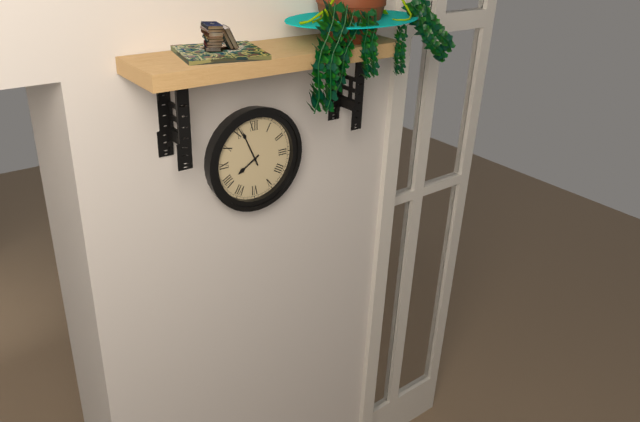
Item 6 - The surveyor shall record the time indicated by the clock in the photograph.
7:56
